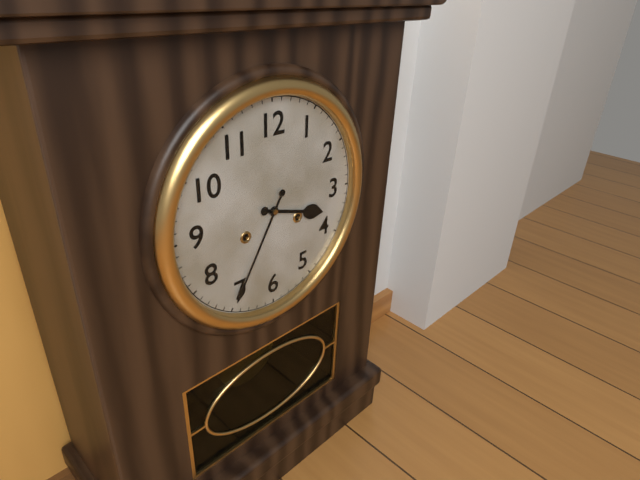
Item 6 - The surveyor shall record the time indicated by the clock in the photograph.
3:35
